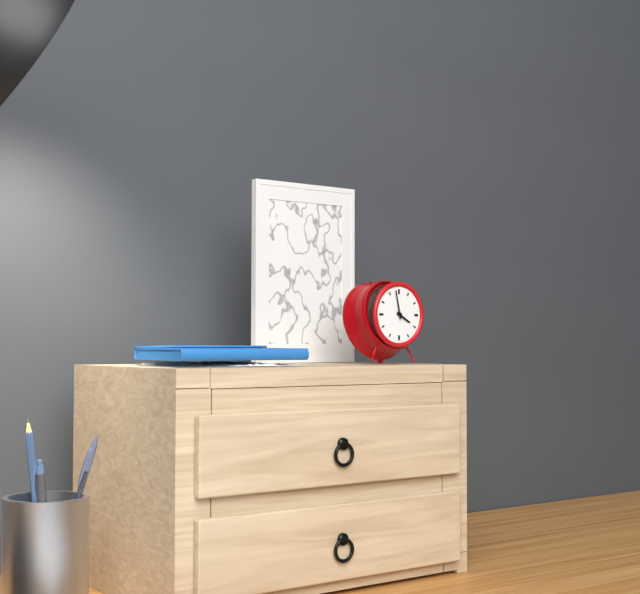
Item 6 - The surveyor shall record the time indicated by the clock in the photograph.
3:58
